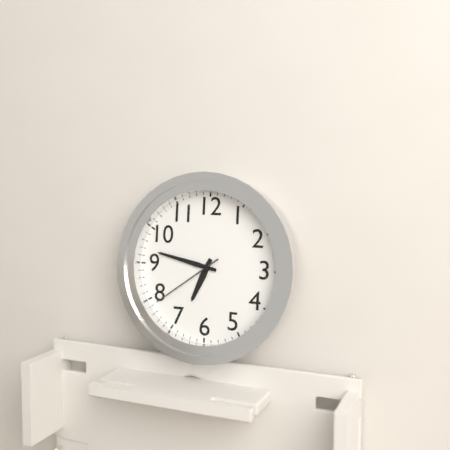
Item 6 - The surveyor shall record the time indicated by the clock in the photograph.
6:47:39
